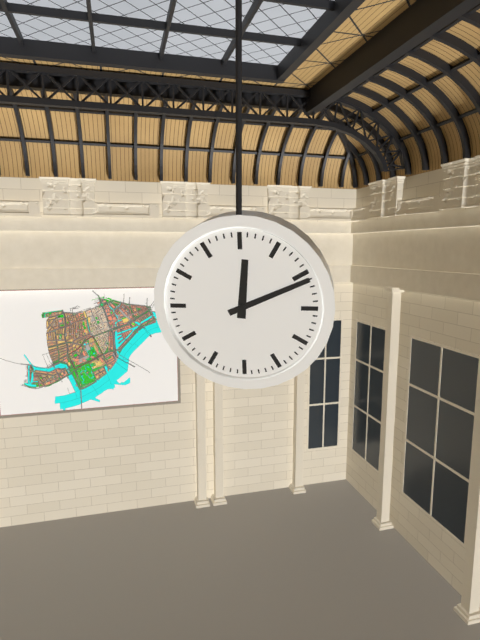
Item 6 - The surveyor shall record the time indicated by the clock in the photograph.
12:11
